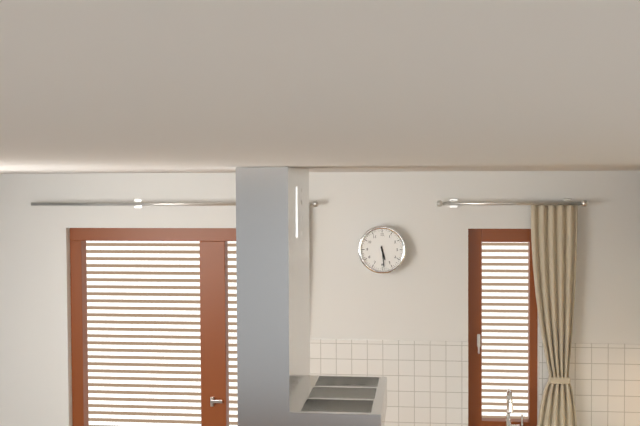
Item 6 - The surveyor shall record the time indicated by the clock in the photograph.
5:29
